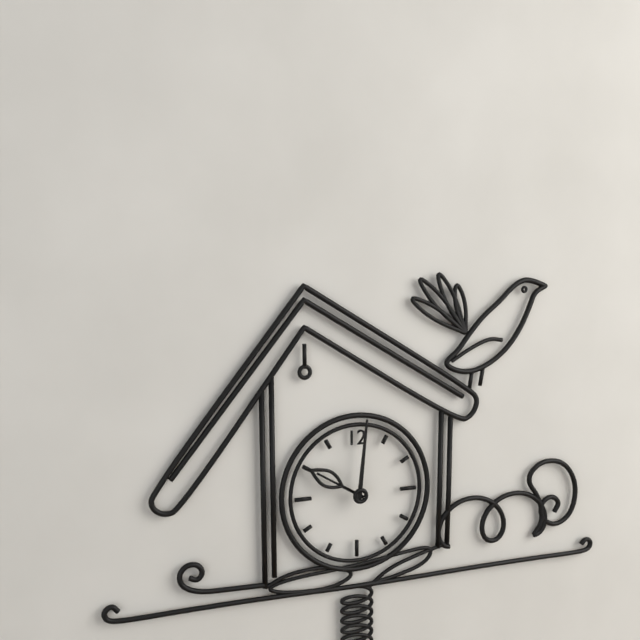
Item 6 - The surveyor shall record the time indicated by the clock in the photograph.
10:01
